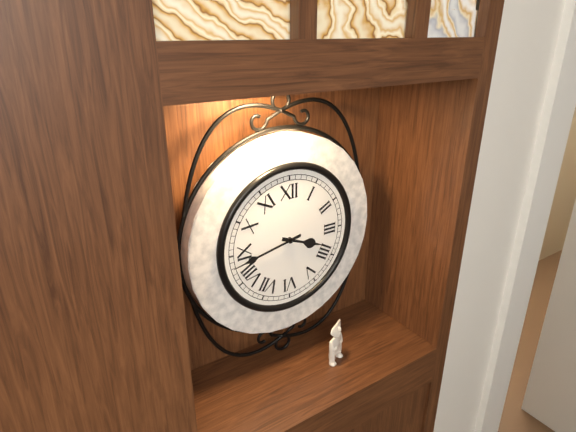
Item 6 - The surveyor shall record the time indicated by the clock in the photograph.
3:43
